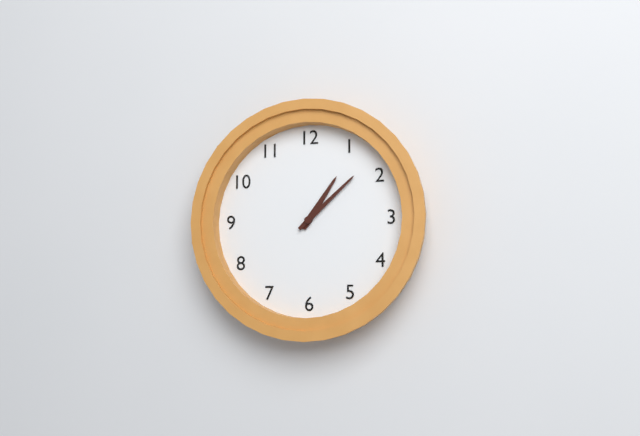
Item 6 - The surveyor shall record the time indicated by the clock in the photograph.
1:08
